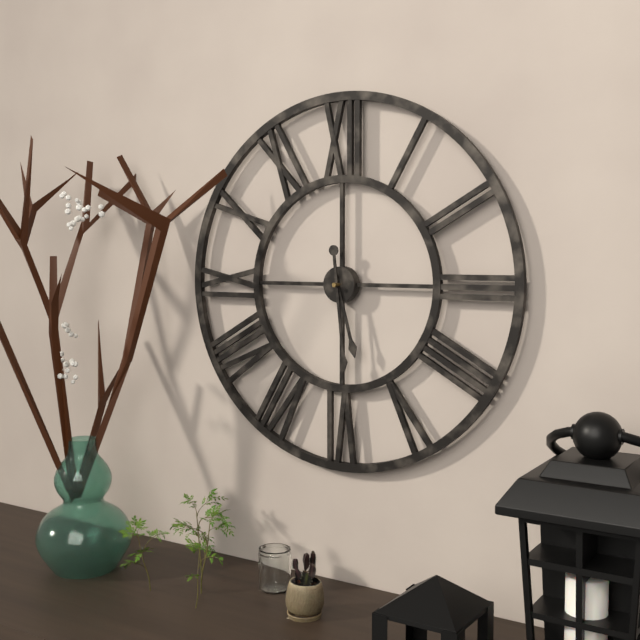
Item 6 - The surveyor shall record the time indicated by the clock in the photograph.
5:29
